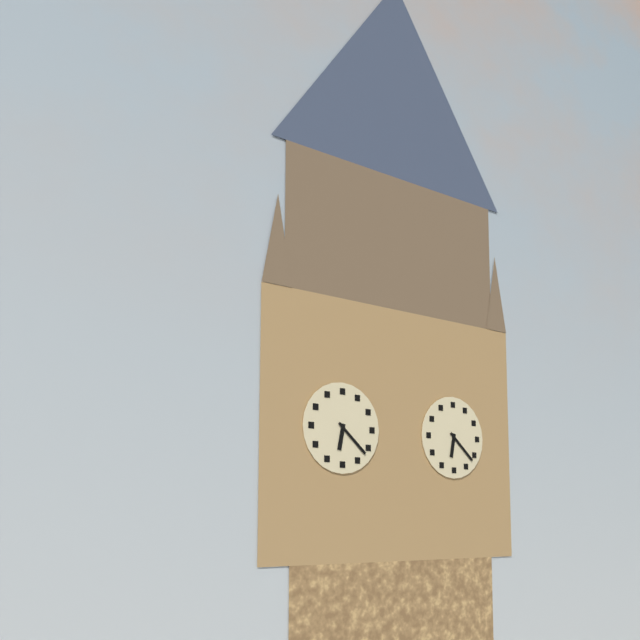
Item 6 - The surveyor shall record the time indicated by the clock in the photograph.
6:22
